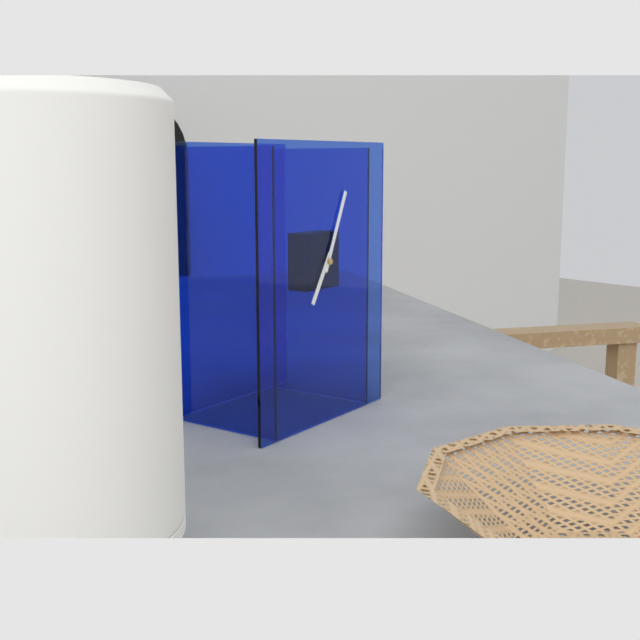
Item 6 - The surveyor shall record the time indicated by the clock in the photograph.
7:04
